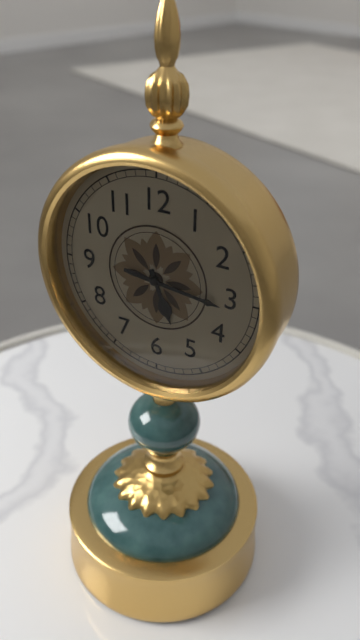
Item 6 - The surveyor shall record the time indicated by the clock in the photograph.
5:16
